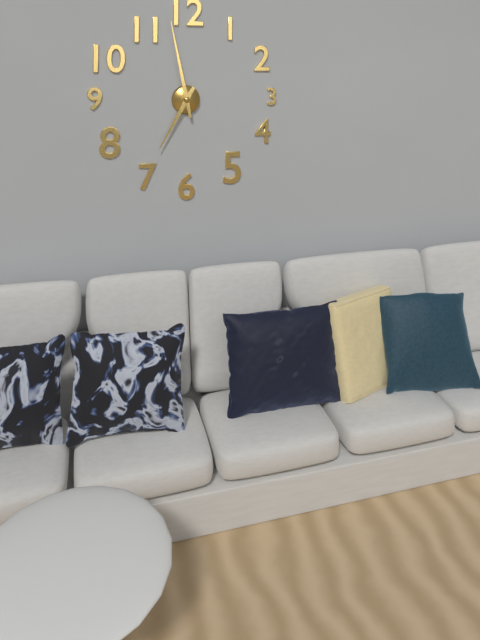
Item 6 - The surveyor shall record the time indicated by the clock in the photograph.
6:58
